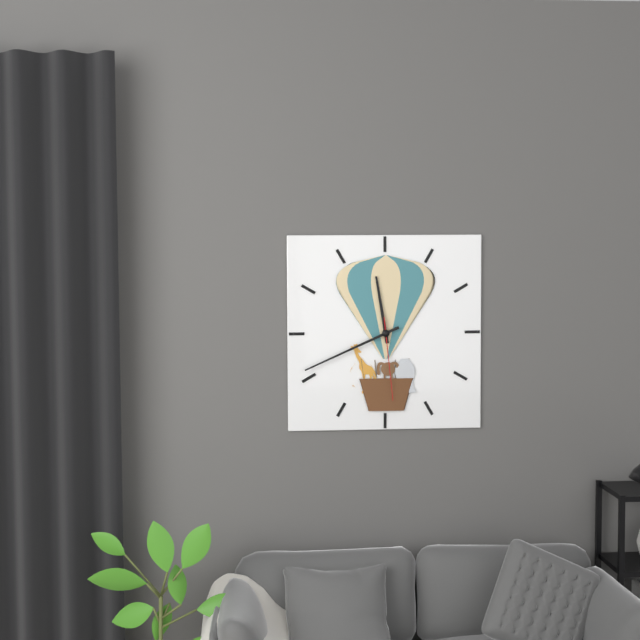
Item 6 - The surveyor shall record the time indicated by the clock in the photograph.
11:41:29
